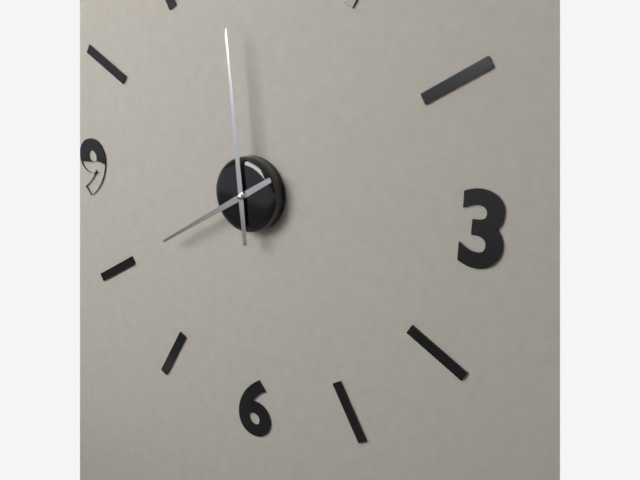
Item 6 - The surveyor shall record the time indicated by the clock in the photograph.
7:59
